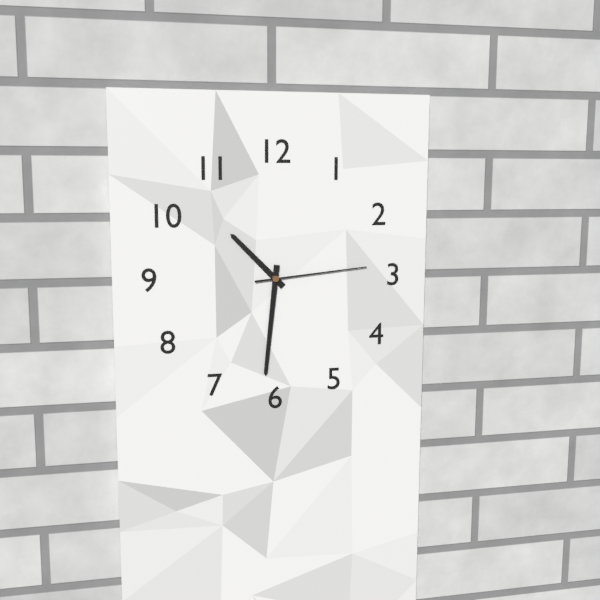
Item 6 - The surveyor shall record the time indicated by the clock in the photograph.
10:31:14
